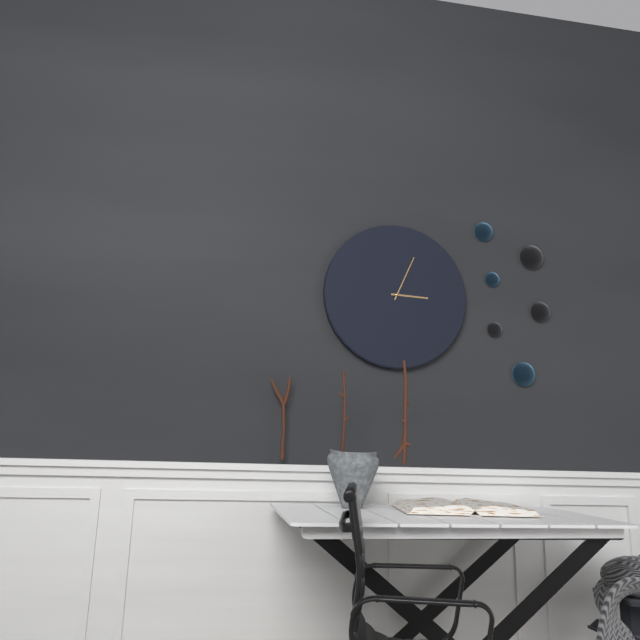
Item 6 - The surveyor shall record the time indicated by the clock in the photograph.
3:04
